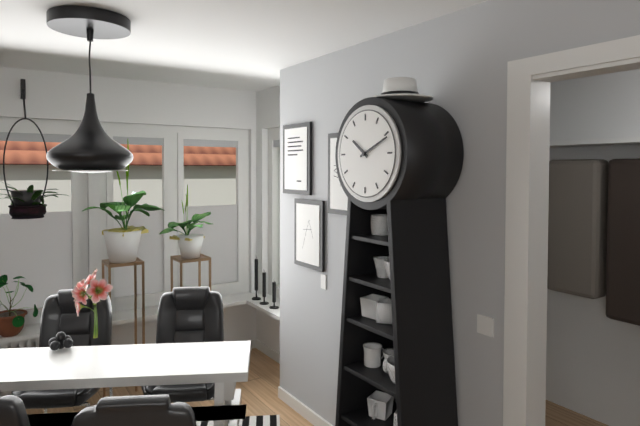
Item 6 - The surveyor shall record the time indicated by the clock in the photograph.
10:11
